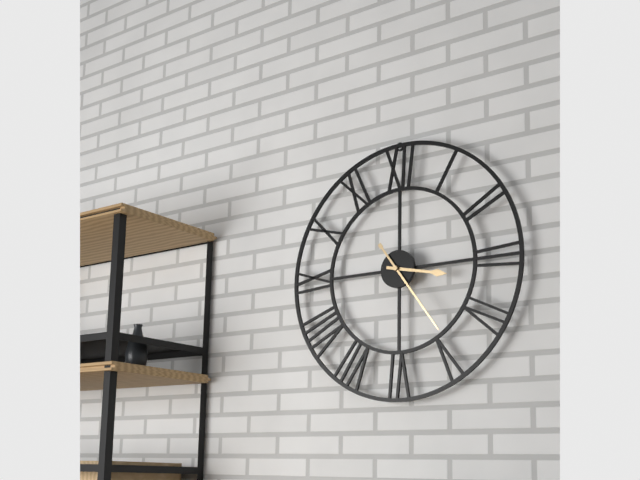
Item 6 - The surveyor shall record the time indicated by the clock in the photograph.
3:24
